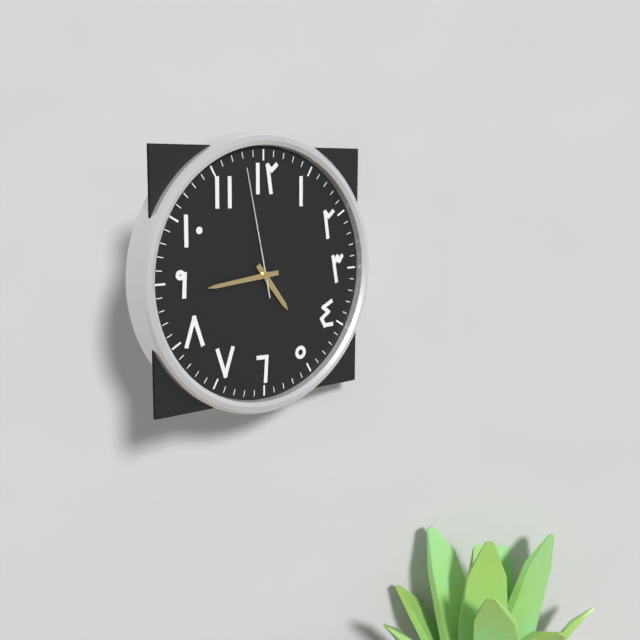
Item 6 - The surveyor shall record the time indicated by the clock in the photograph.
4:44:58
